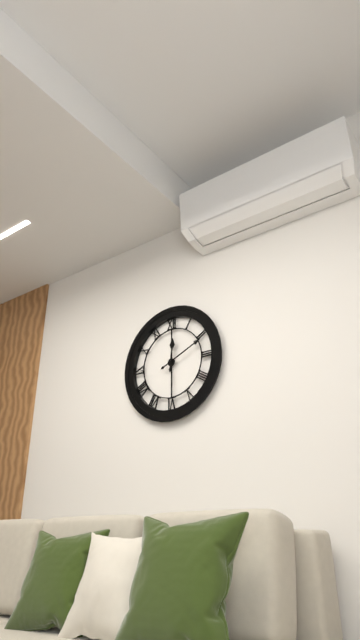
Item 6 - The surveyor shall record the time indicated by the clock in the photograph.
12:11
